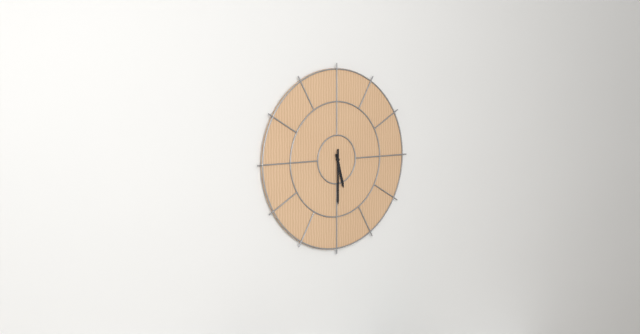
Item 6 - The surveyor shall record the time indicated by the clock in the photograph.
5:30
